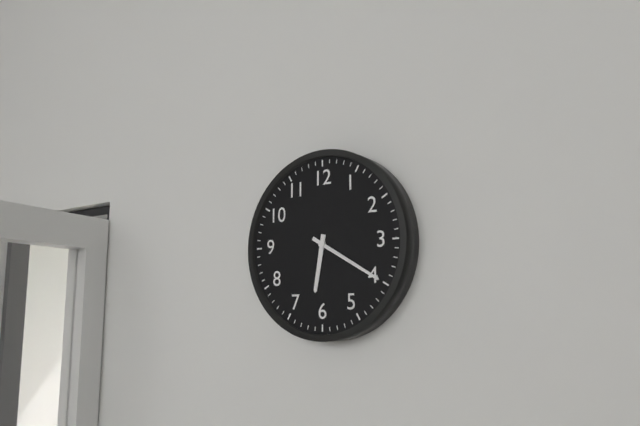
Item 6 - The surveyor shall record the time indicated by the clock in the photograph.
6:20
